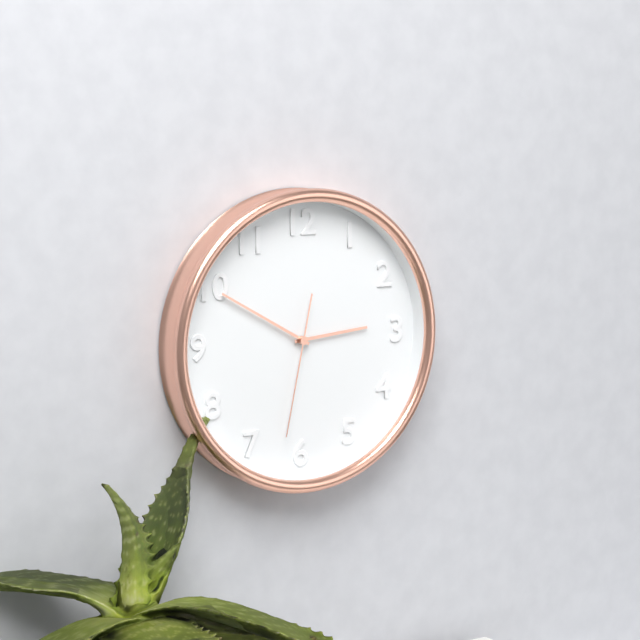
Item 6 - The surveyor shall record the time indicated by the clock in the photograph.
2:50:32
